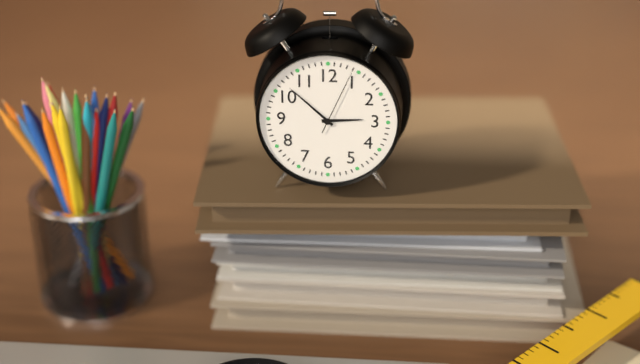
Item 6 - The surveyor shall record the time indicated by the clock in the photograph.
2:52:04
